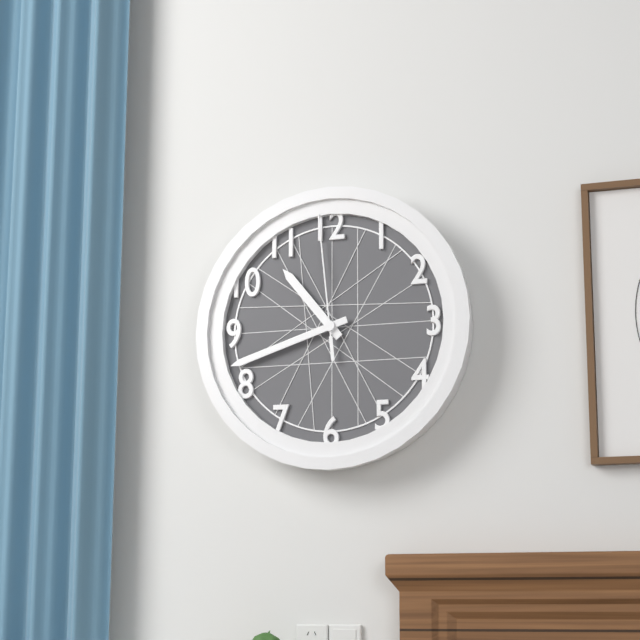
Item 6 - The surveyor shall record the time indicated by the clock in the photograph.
10:42:59
